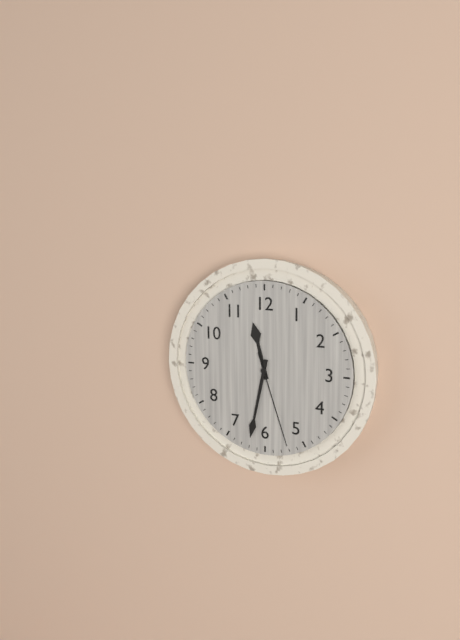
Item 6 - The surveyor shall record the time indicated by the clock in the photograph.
11:32:27
